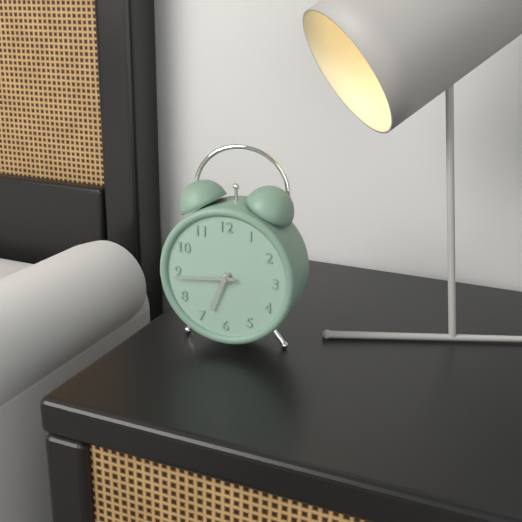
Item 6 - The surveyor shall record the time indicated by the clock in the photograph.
6:44
